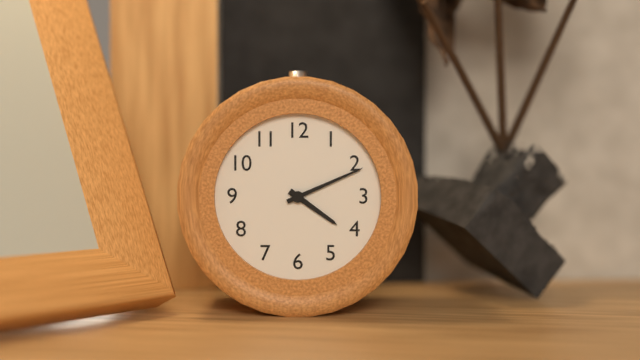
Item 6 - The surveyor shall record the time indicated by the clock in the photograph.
4:11
